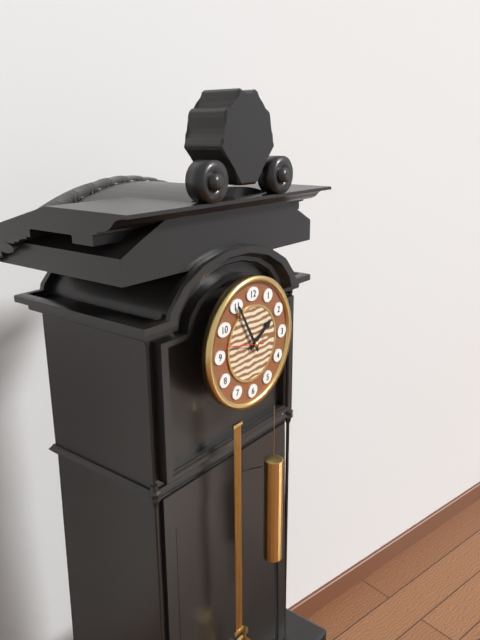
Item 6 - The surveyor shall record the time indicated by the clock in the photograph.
1:55
